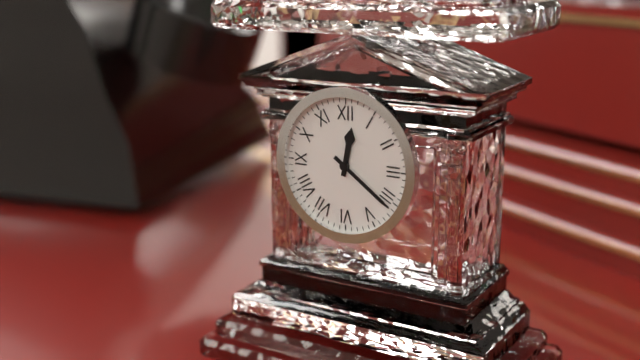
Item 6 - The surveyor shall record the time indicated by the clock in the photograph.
12:21
